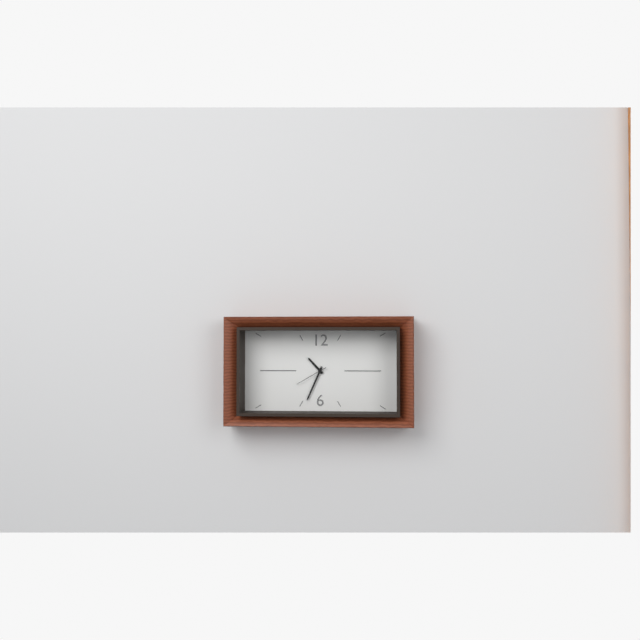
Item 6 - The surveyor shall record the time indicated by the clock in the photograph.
10:34
